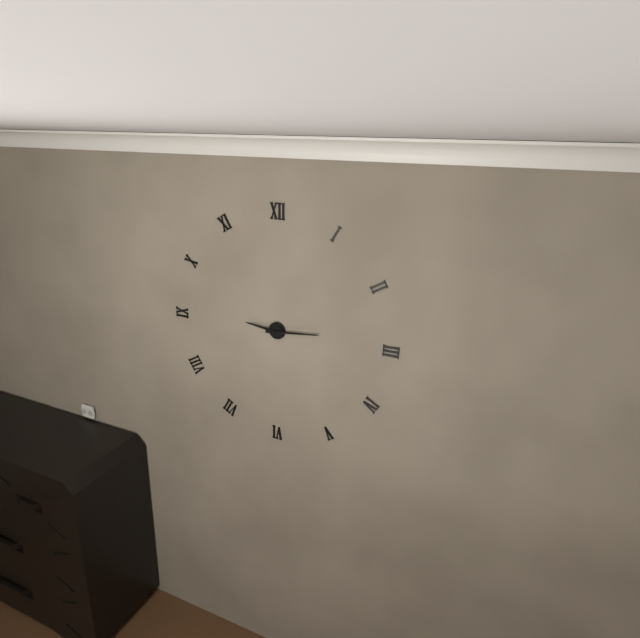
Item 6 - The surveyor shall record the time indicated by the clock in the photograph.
9:14
